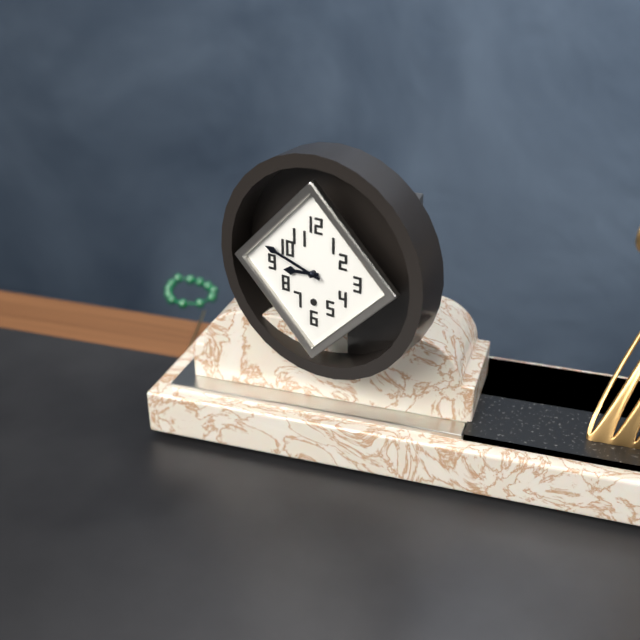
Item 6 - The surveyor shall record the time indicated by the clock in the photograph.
8:48
